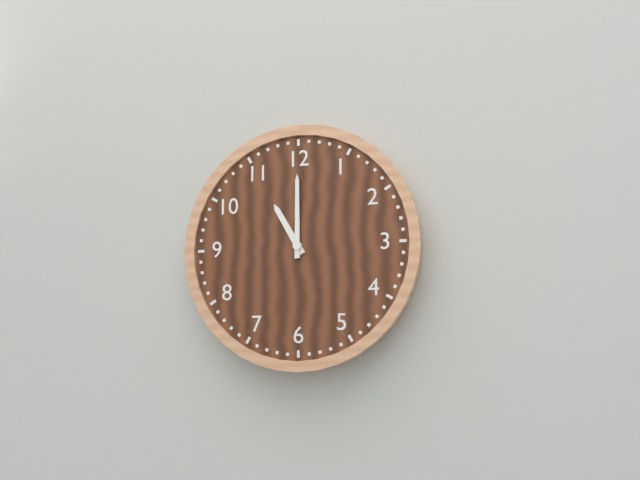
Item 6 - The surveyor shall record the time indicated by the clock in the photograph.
11:00
